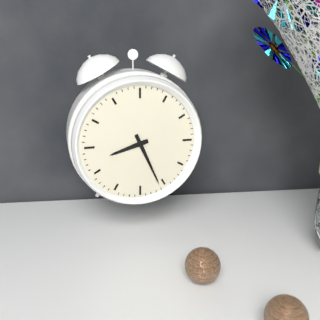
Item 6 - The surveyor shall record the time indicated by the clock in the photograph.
8:26
